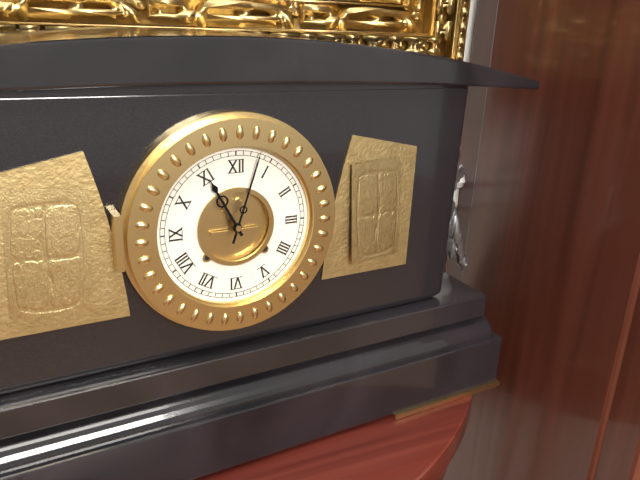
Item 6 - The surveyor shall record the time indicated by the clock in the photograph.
11:03
